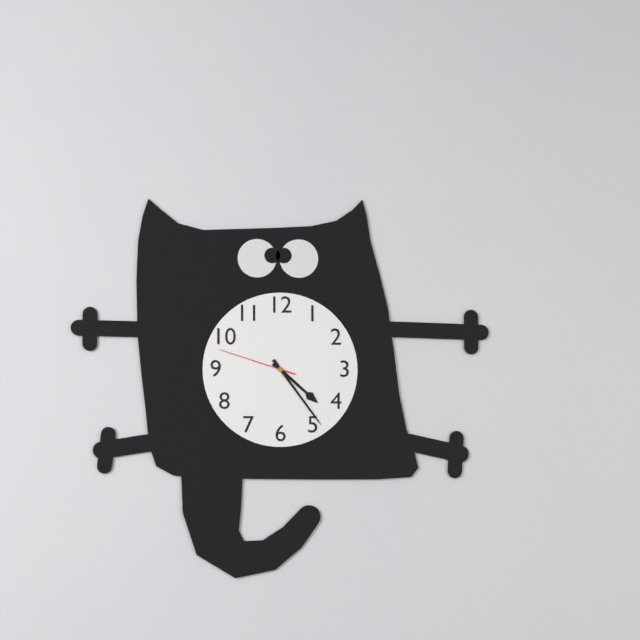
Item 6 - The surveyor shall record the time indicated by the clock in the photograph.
4:24:48
